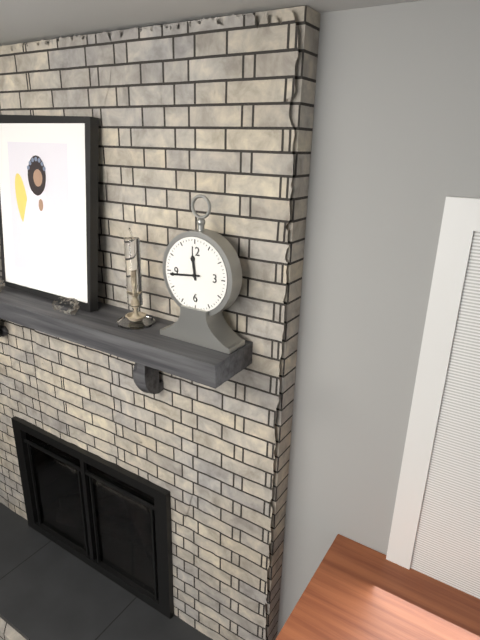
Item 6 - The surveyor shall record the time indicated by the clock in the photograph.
11:44
